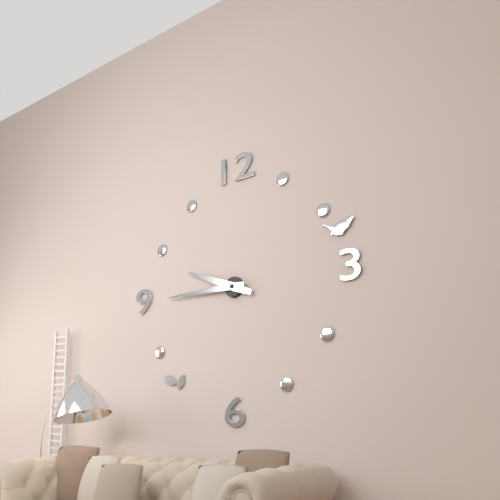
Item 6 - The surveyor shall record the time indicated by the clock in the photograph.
9:45
